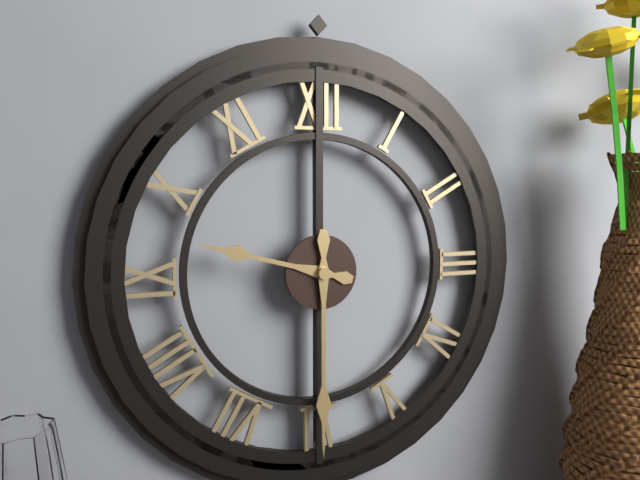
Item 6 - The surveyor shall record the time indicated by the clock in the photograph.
9:30
